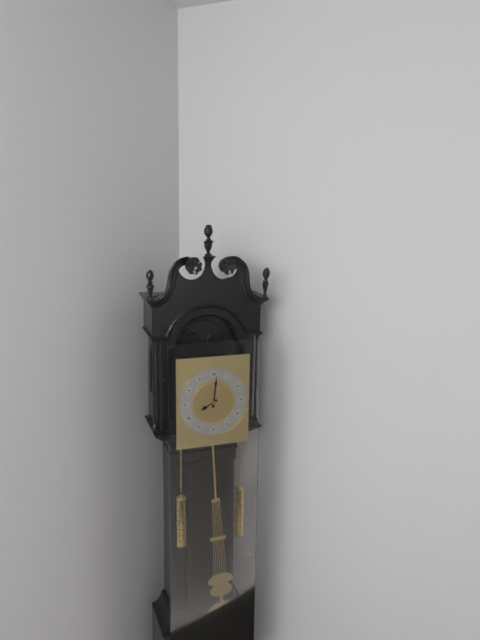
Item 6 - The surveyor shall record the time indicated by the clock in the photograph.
8:01
